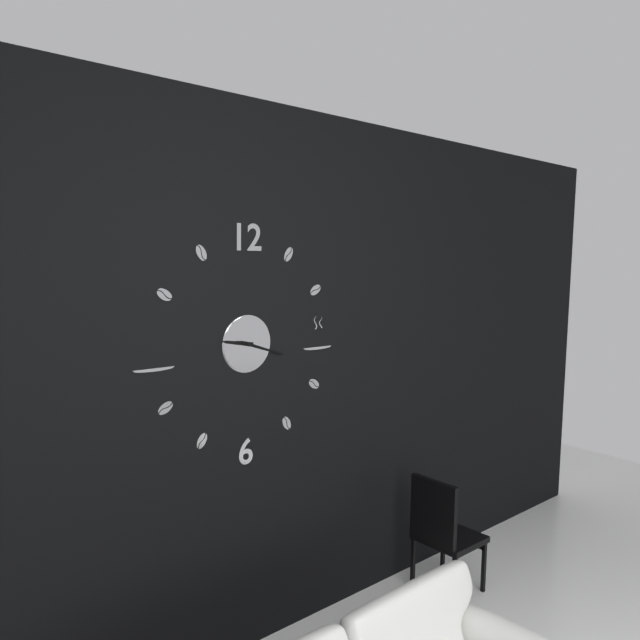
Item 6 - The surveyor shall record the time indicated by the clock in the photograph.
9:18
